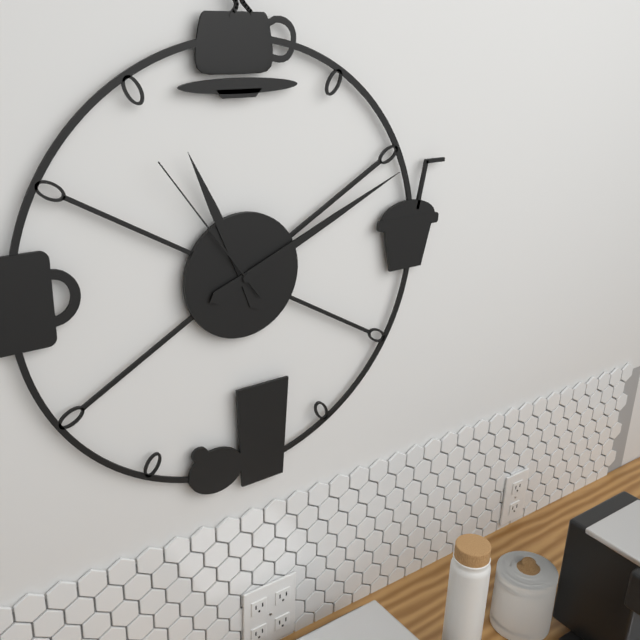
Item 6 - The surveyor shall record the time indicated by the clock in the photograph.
11:11:54
